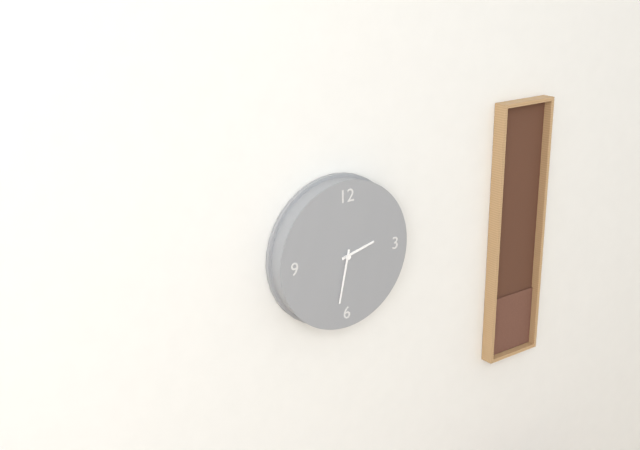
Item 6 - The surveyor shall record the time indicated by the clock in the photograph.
2:32
